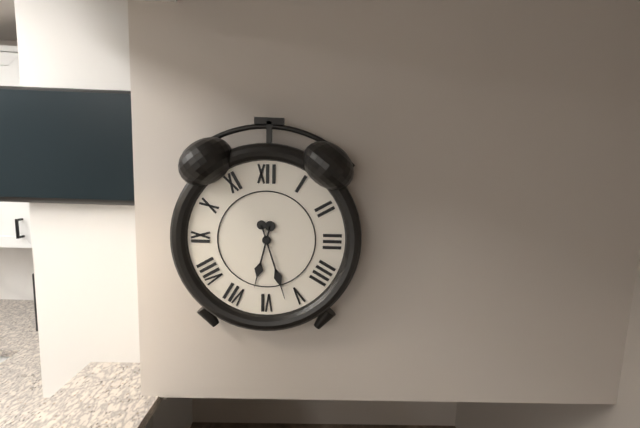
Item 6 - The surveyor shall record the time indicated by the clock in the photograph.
6:27
